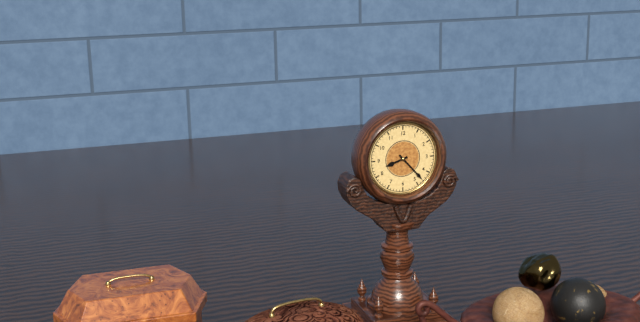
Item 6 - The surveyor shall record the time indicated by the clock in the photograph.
8:23
